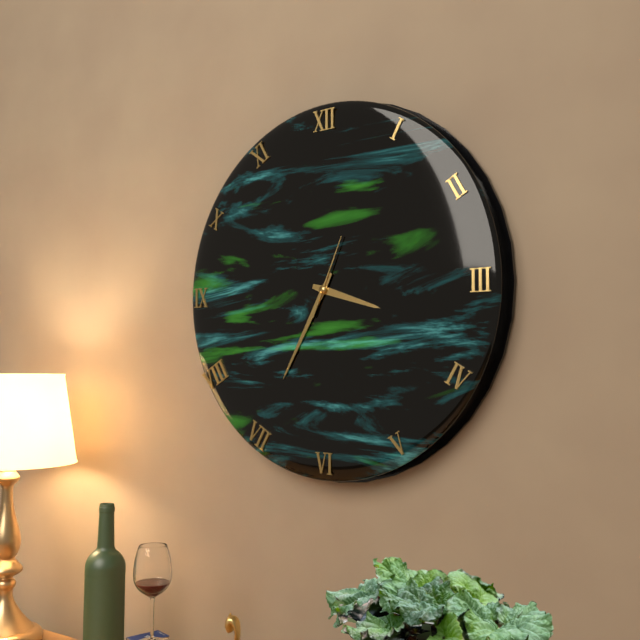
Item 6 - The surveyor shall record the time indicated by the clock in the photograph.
3:35:04
